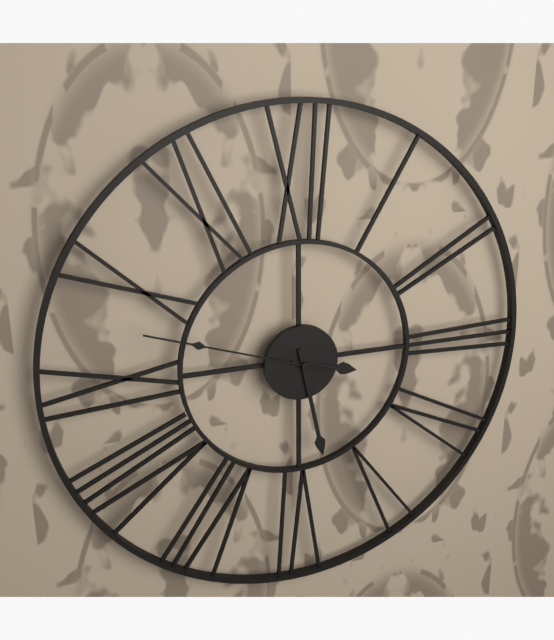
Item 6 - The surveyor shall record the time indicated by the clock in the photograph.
3:28:48
